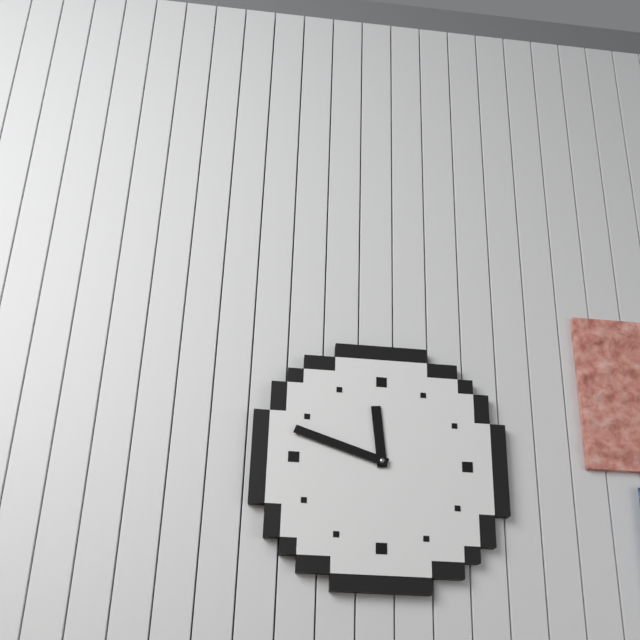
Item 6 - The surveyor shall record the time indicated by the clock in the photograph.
11:48
